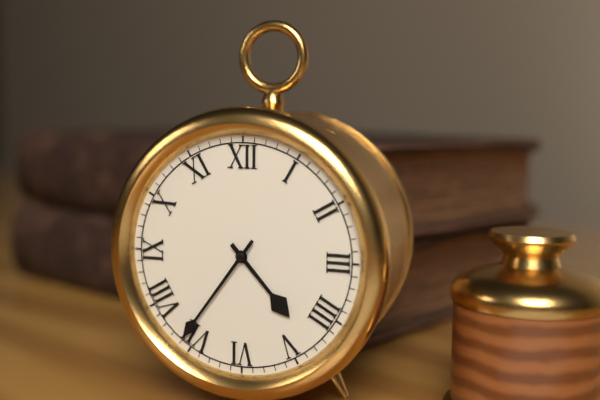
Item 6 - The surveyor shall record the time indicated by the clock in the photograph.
4:36
